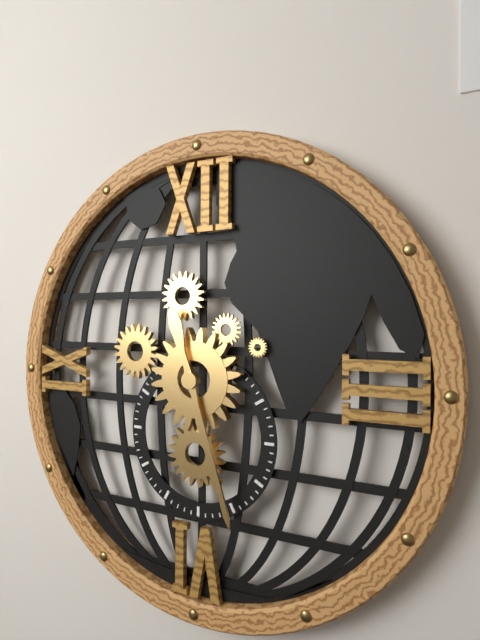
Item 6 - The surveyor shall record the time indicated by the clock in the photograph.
5:27
